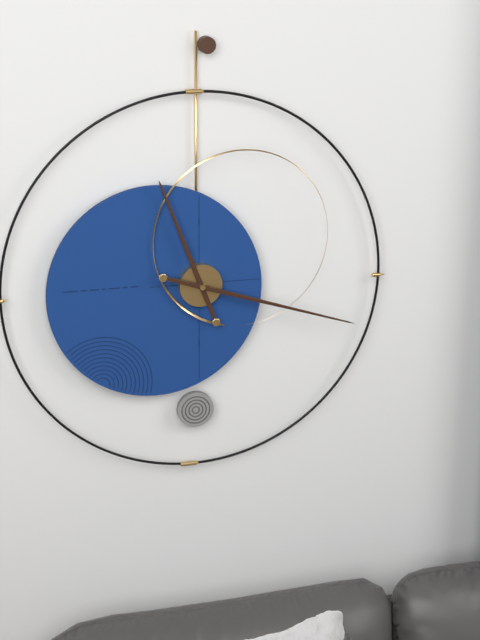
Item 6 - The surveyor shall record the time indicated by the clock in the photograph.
11:18
